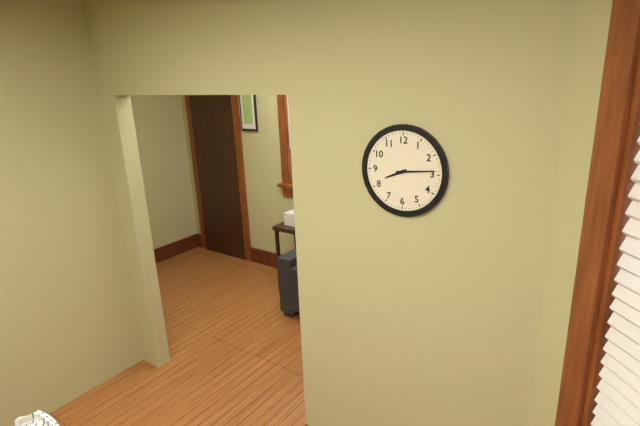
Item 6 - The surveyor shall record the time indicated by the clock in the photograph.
8:14
